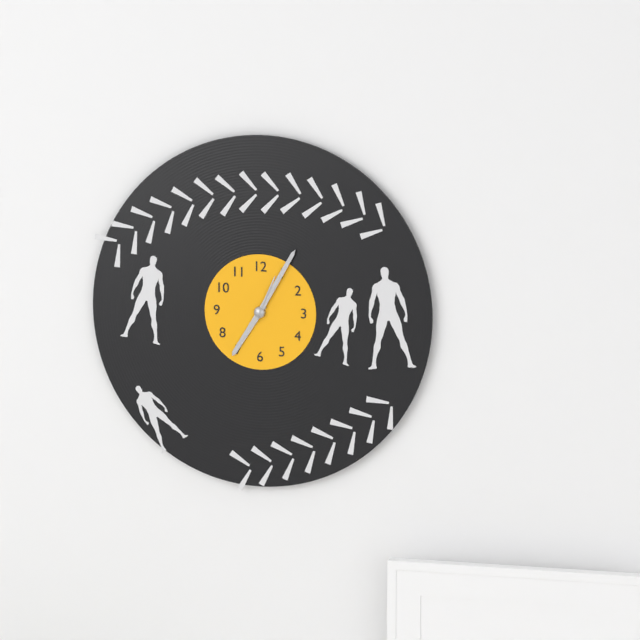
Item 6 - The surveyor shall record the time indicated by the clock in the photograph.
7:05:04
